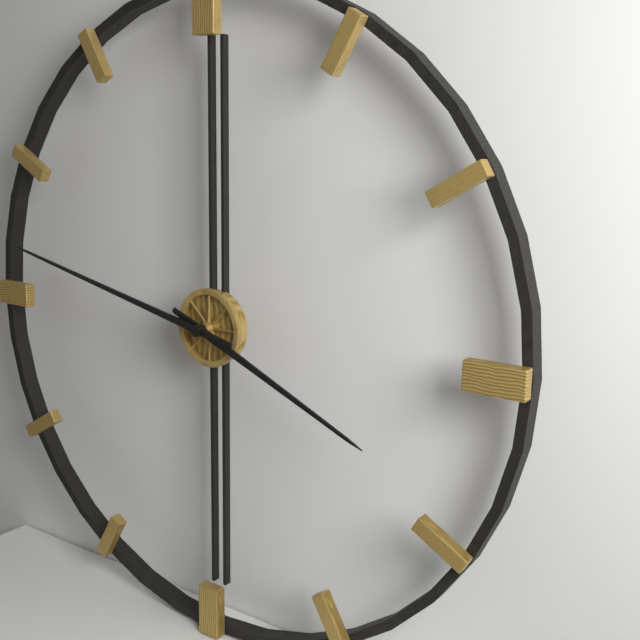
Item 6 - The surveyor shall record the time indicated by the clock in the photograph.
3:47
